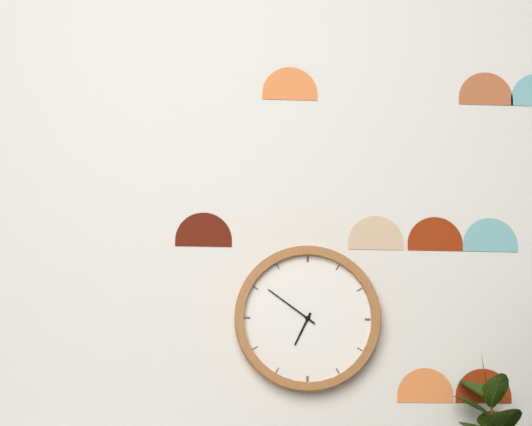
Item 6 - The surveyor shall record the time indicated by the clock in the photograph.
6:51
